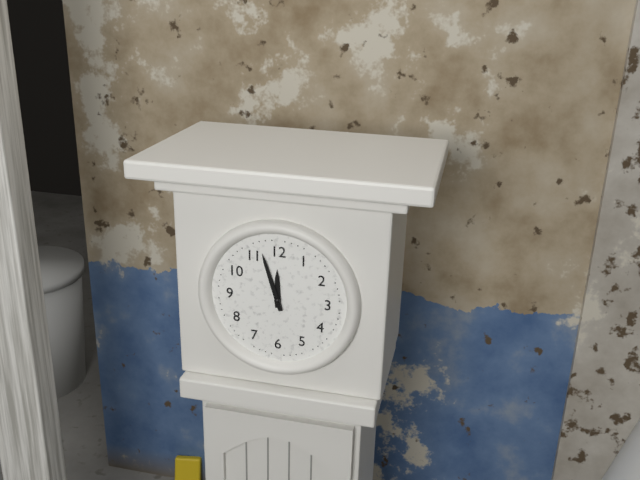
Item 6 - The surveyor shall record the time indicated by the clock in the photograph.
11:57
